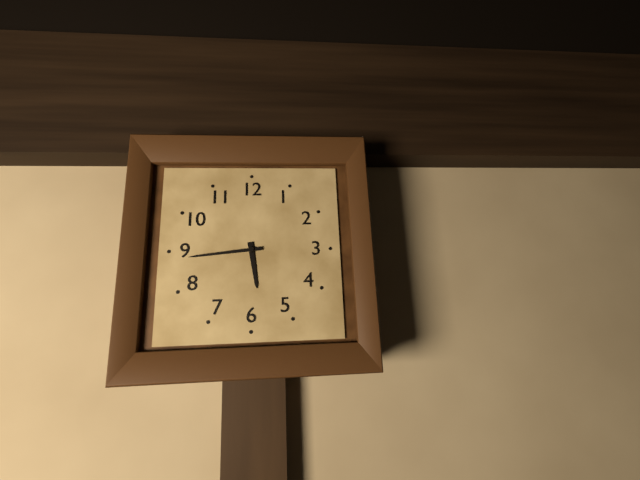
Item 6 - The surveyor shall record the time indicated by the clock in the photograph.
5:44
